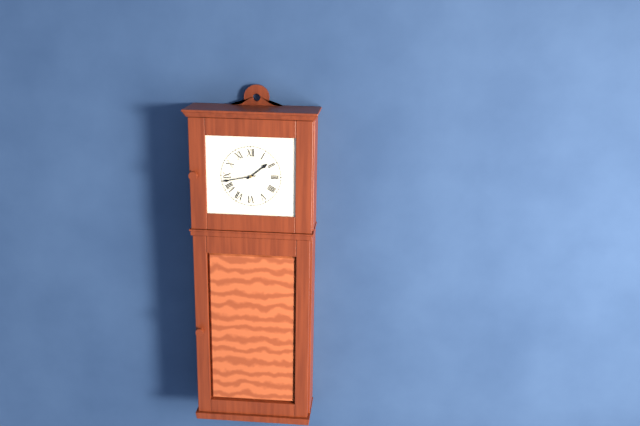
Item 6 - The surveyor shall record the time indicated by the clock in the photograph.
1:43
